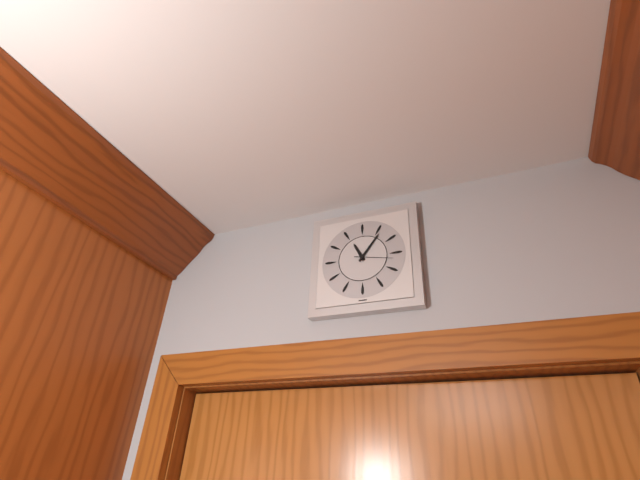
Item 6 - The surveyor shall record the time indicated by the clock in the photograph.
11:06
